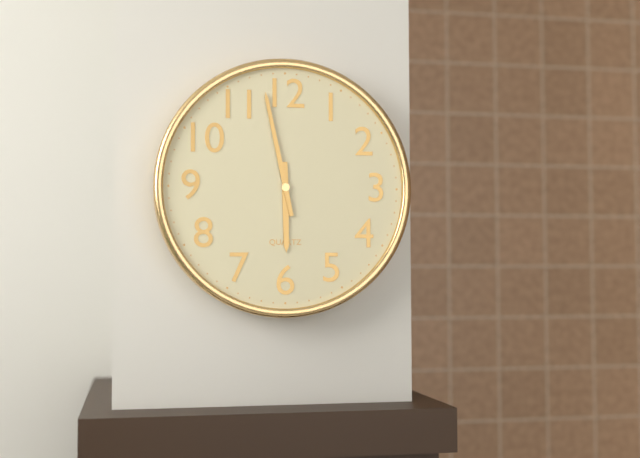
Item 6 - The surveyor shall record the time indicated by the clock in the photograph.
5:58
